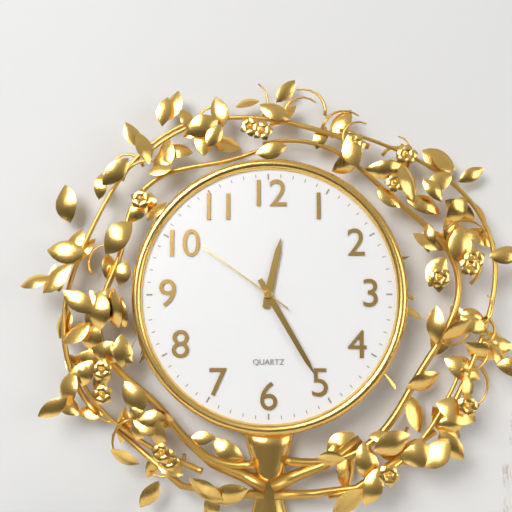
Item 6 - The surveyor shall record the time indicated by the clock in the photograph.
12:25:51
